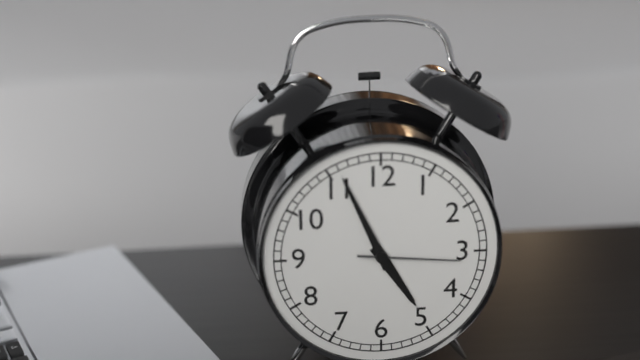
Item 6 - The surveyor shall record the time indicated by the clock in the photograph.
4:56:16
